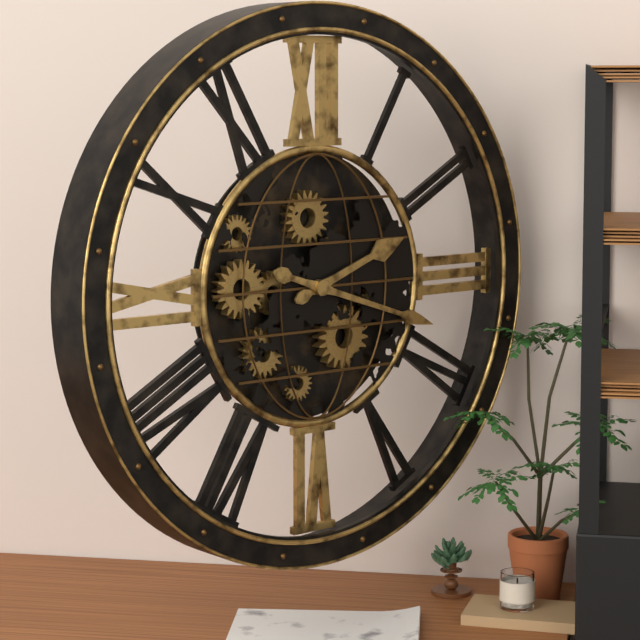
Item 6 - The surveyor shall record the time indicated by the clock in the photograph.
2:18
